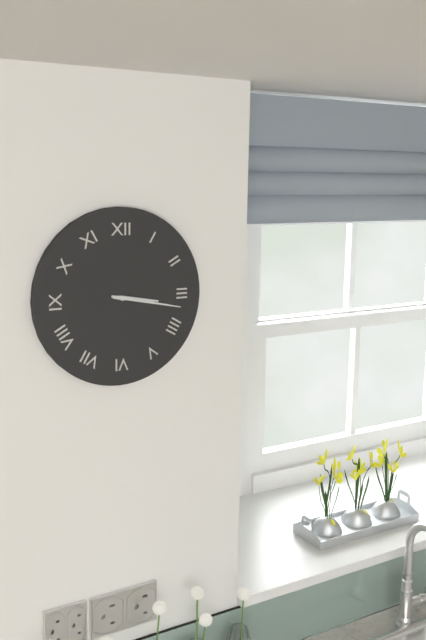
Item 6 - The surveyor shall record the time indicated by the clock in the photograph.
3:17
